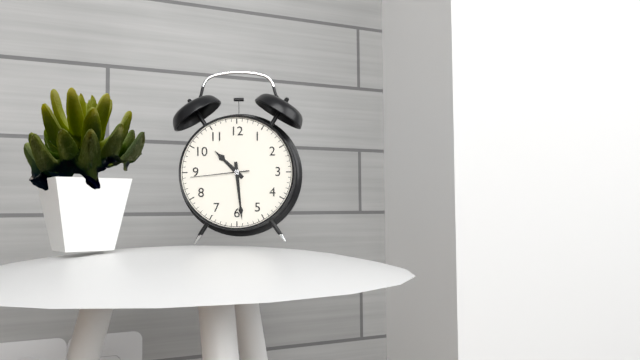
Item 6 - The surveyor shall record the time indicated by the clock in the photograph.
10:29:44
